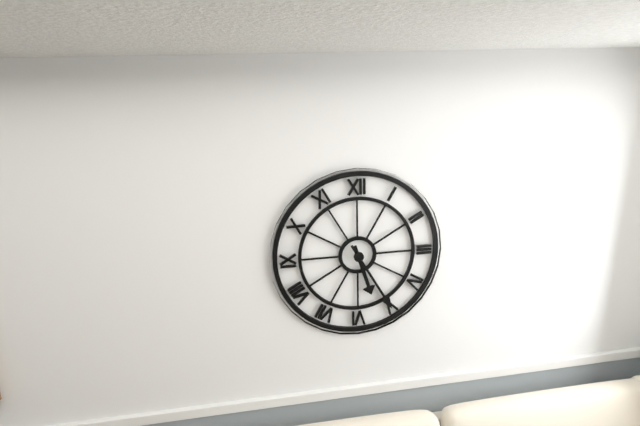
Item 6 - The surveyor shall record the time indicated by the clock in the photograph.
5:25
